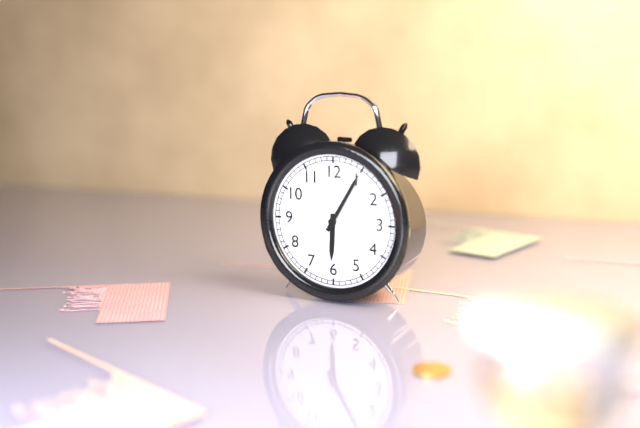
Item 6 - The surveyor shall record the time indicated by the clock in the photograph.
6:05
